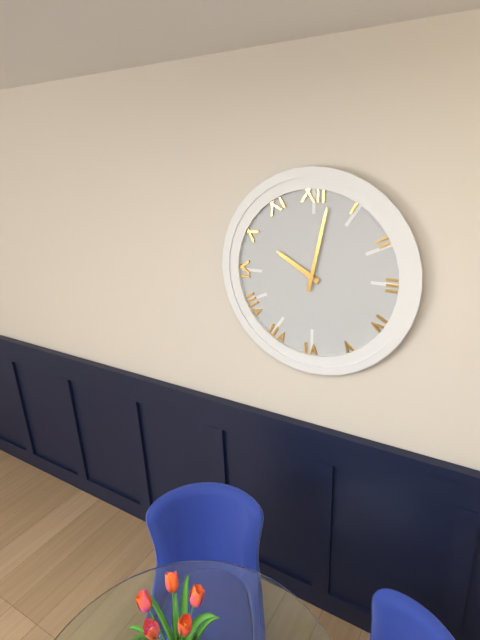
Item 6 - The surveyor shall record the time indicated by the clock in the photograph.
10:02
